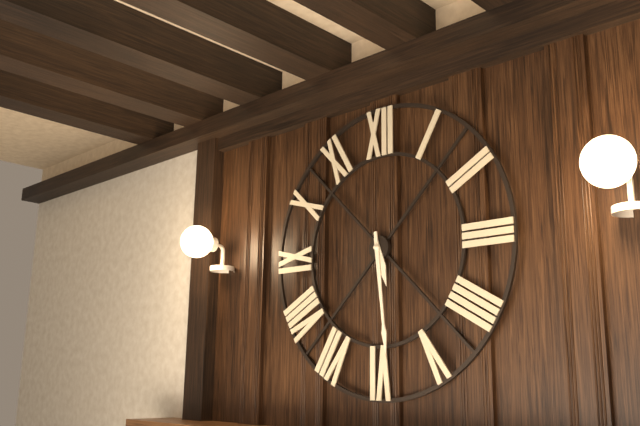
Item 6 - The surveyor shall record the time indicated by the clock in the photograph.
5:29
